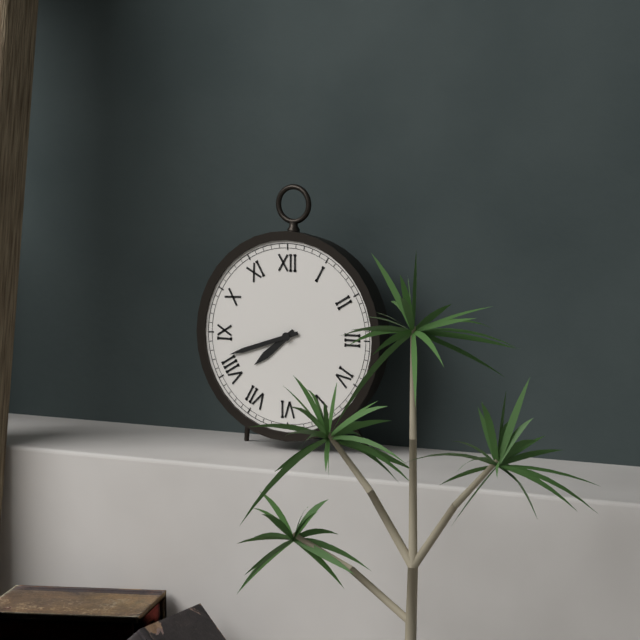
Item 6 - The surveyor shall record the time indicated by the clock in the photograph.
7:42
